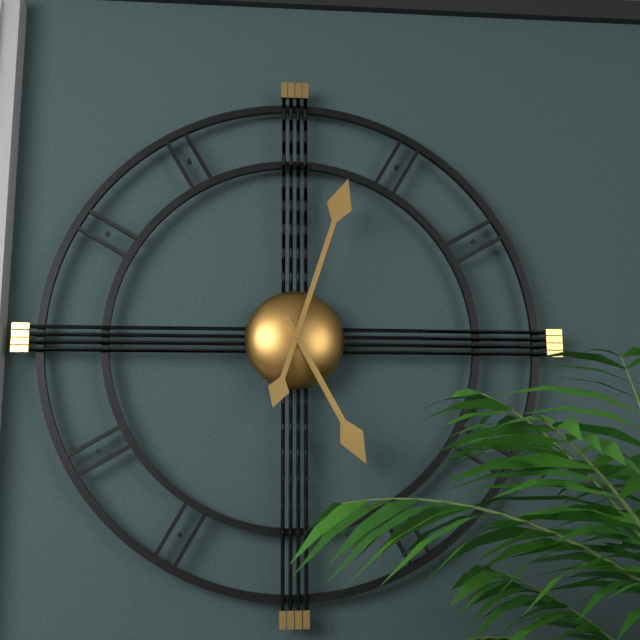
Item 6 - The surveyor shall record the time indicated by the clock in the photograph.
5:03
